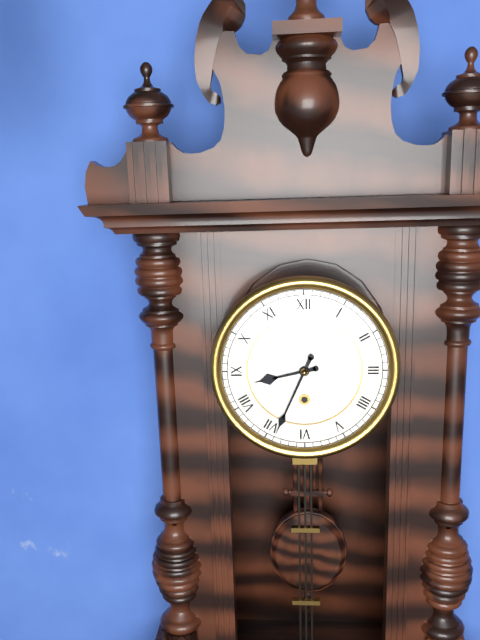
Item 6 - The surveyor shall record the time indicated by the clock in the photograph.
8:34
